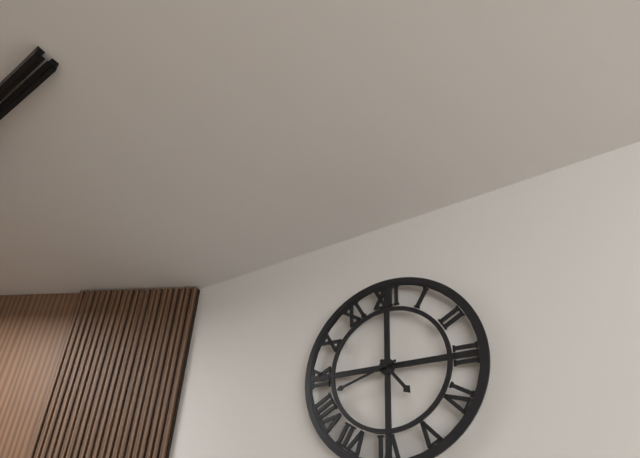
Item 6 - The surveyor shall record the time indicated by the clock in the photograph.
4:42
